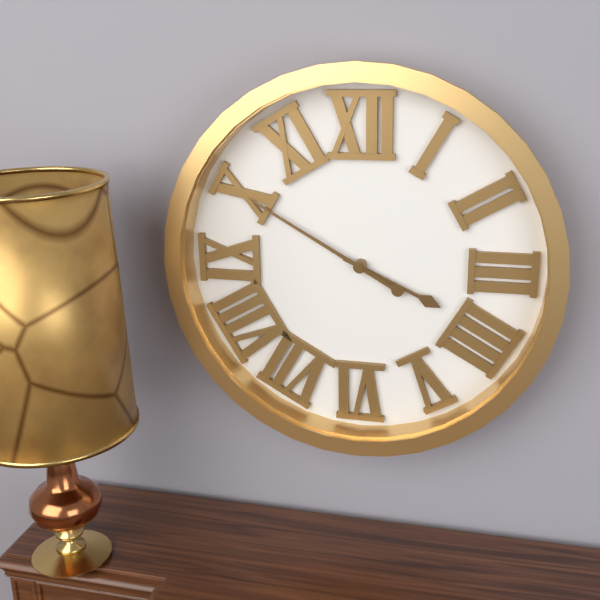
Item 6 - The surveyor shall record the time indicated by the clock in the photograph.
3:50
